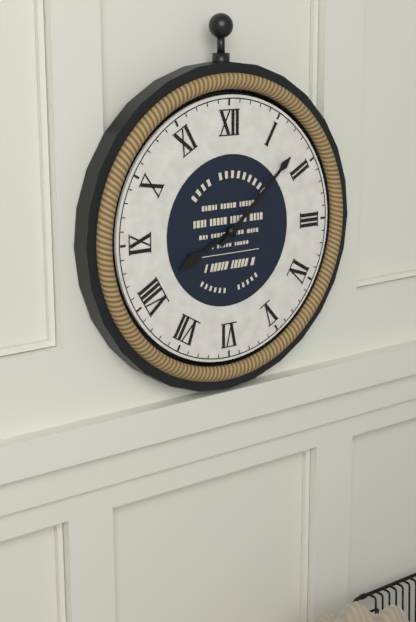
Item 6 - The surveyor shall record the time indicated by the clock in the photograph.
8:08
